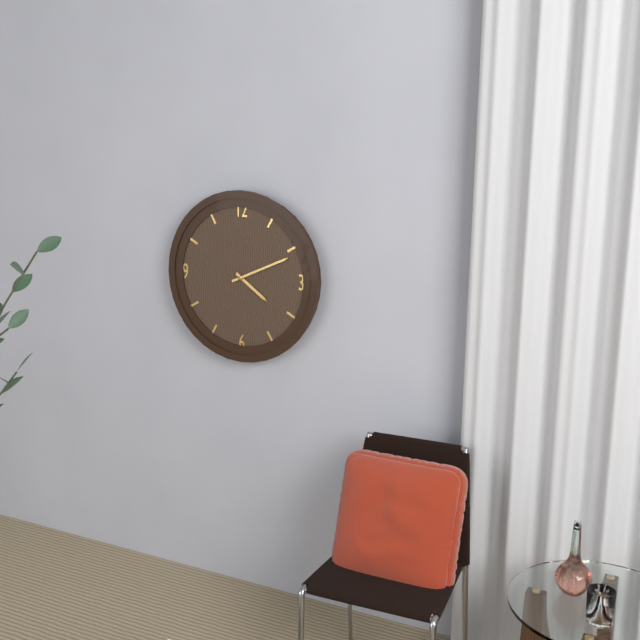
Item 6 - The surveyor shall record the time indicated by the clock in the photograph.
4:11
